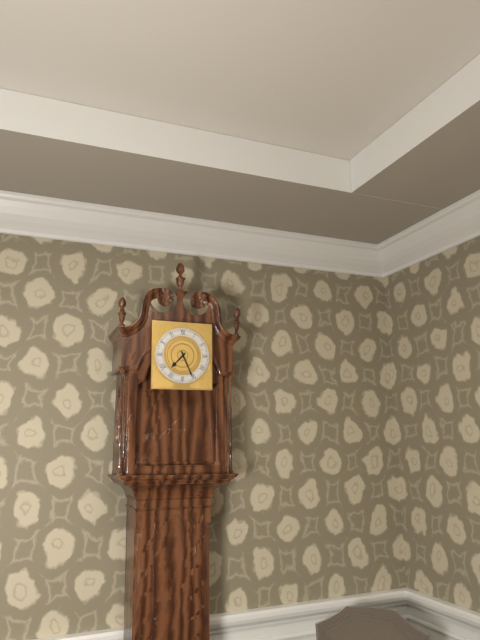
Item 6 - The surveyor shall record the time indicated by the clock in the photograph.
7:26
